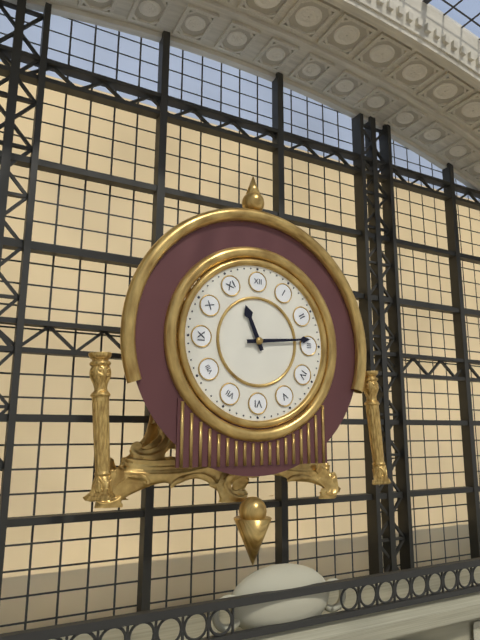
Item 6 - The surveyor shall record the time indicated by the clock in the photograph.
11:14
